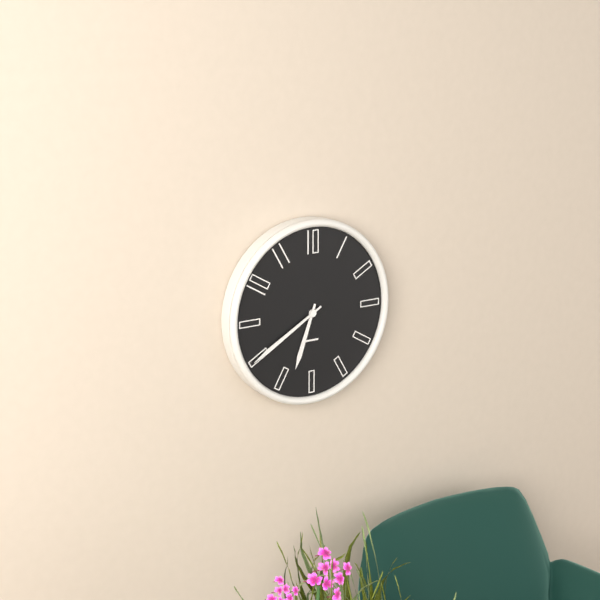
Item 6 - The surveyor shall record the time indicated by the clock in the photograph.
6:40
